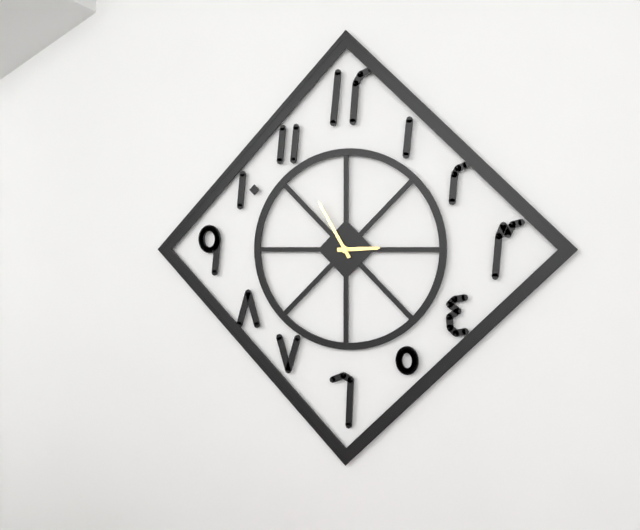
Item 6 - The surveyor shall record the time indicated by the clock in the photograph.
2:55
